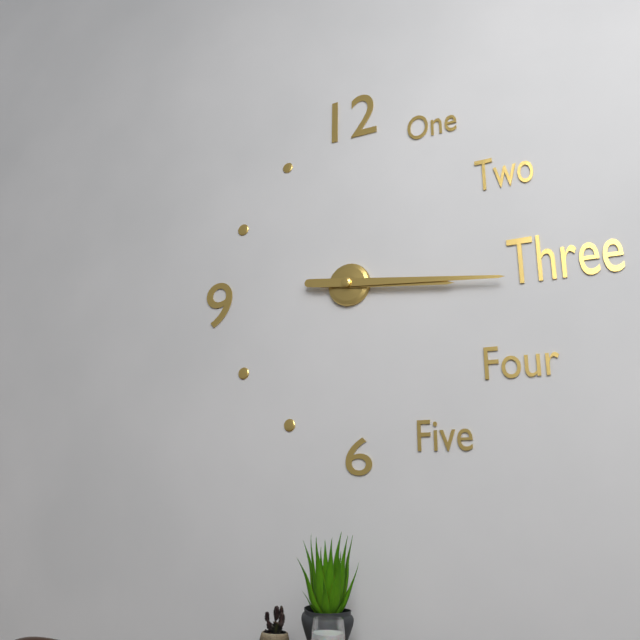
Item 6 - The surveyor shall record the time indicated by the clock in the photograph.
3:16
